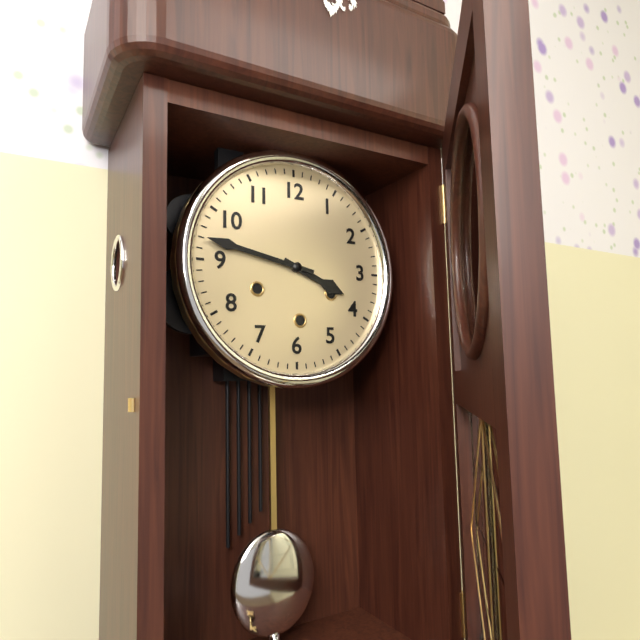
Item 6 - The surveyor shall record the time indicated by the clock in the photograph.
3:47
